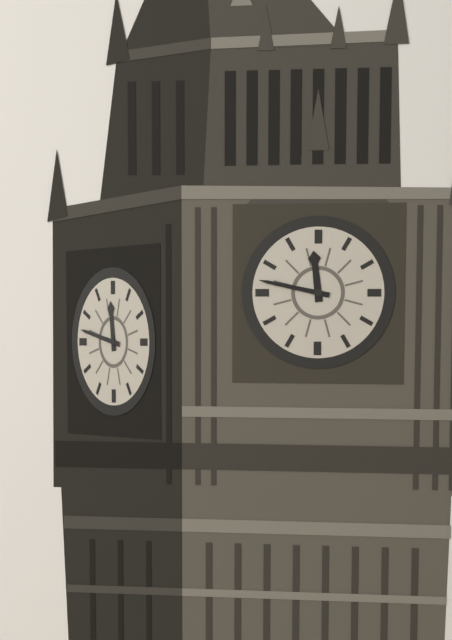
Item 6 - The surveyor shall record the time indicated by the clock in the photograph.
11:47
